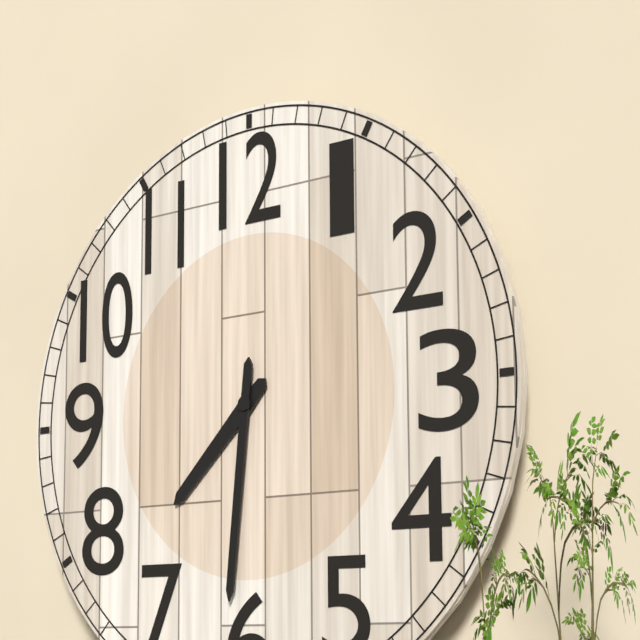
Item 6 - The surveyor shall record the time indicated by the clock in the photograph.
7:31
